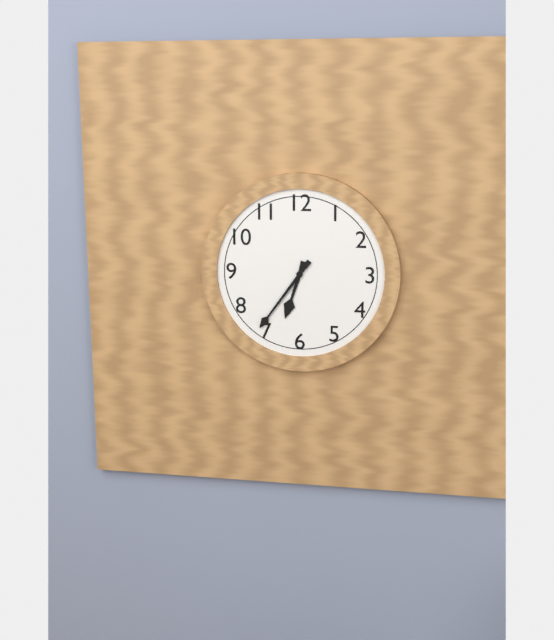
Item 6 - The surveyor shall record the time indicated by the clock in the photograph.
6:36
